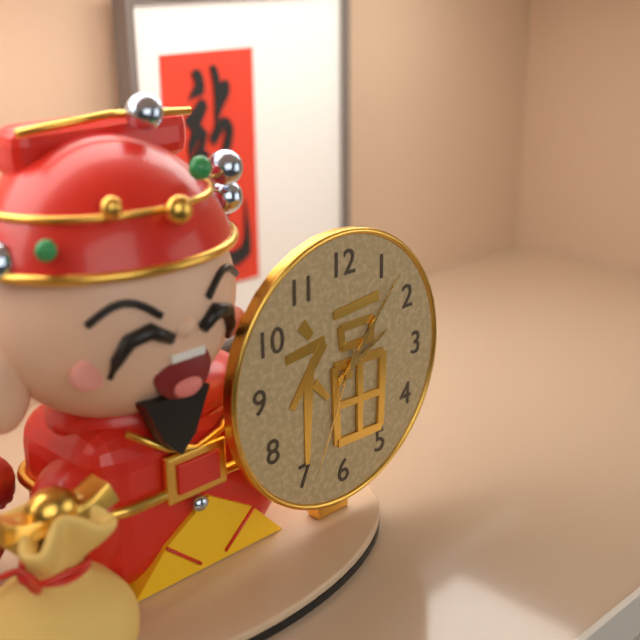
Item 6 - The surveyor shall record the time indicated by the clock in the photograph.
2:07:34
